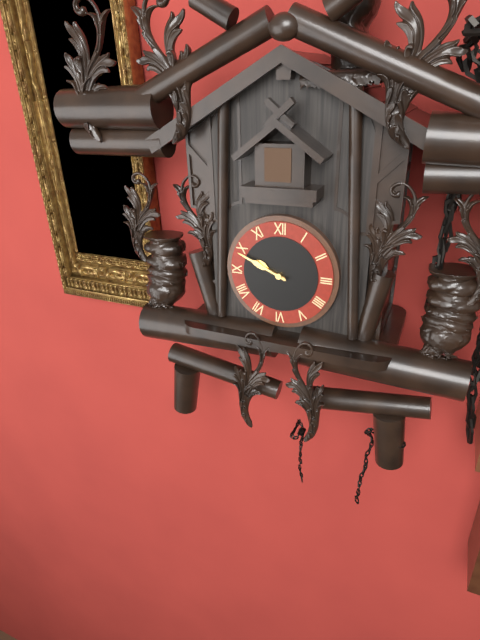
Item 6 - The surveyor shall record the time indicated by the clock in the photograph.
9:49
